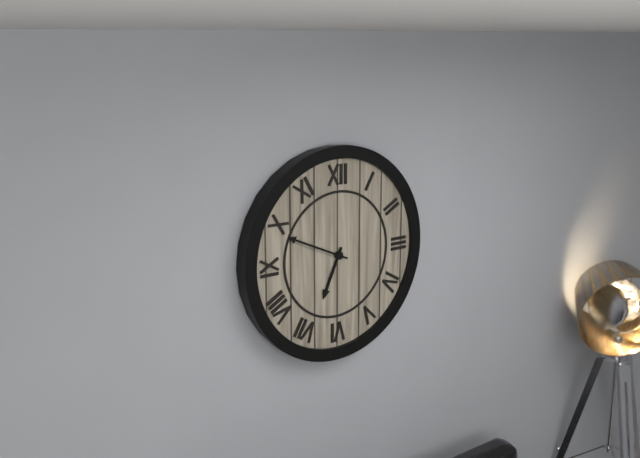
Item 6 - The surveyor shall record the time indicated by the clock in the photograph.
6:49
